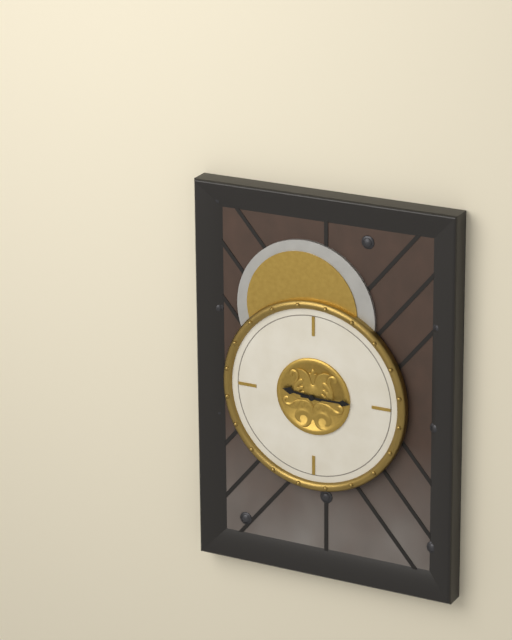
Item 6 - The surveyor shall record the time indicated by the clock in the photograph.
9:15
